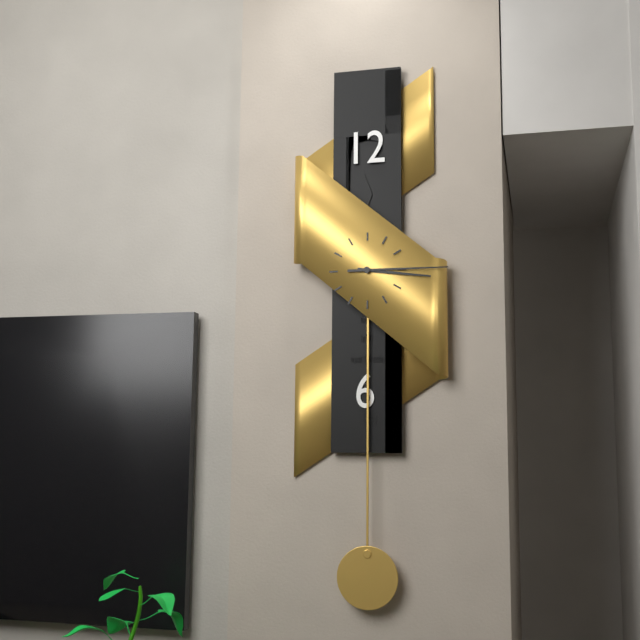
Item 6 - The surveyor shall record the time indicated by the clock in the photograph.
3:15
